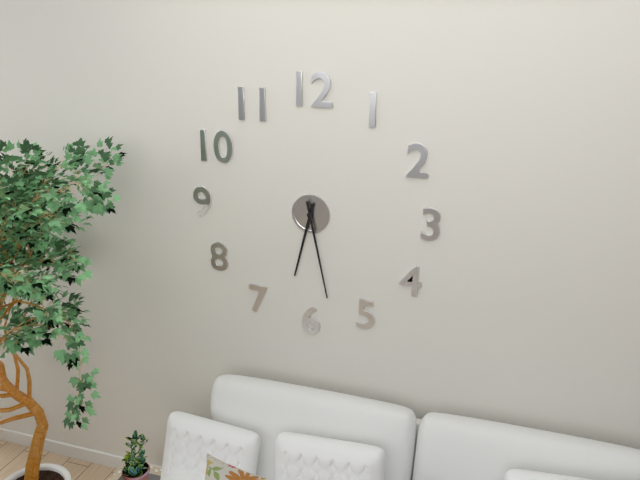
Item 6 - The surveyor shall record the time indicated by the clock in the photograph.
6:28
